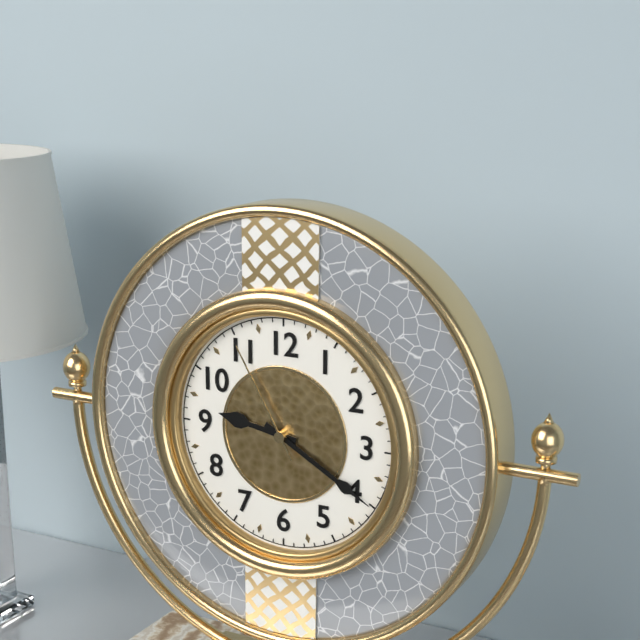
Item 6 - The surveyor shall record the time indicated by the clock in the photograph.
9:20:55
